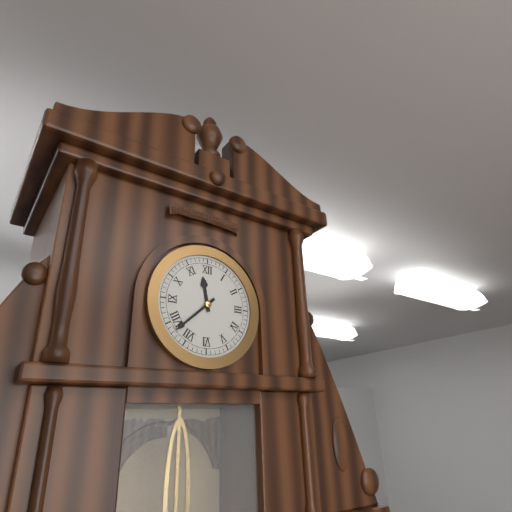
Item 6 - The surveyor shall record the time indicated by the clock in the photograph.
11:38
